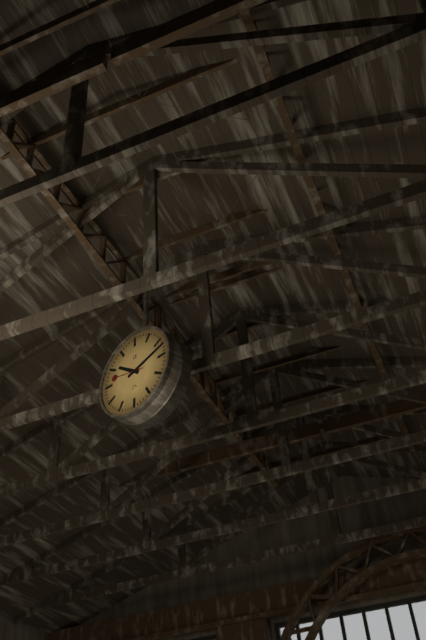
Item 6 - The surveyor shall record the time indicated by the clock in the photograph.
10:12
